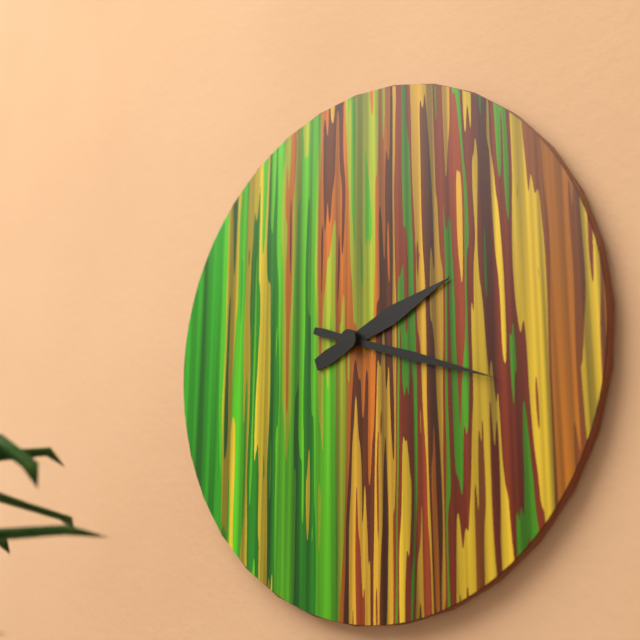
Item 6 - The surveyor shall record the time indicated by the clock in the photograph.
2:18
